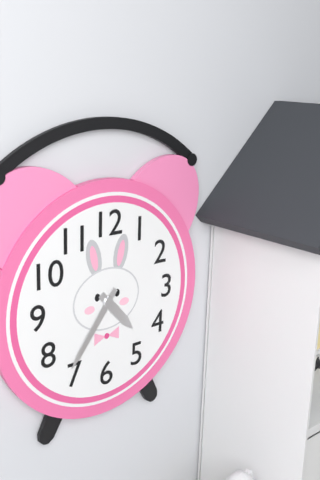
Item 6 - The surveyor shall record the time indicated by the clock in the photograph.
4:36
